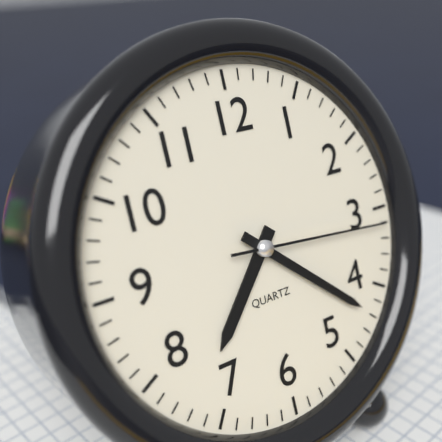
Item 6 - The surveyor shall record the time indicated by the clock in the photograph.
7:22:16
